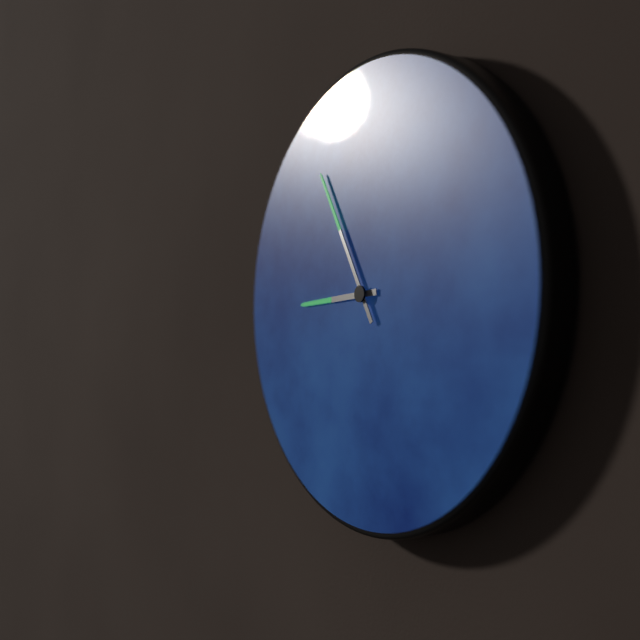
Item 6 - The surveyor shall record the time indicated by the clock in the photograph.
8:55
